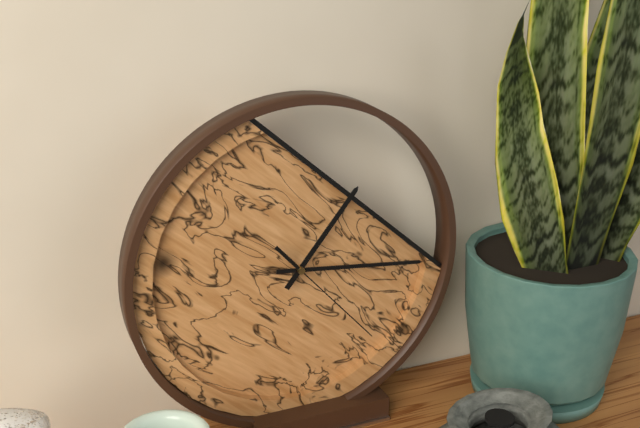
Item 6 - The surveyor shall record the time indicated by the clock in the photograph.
1:16:23
